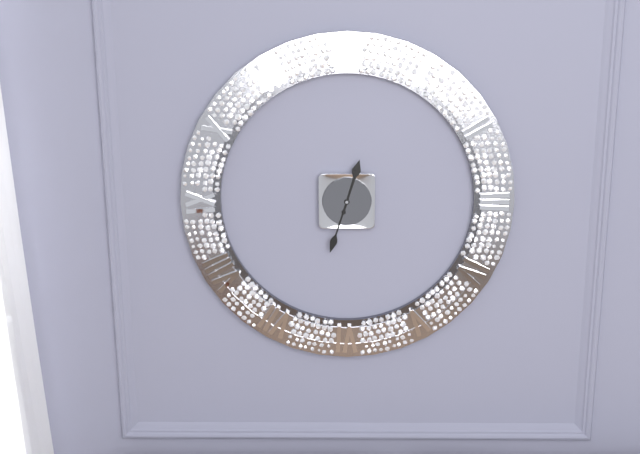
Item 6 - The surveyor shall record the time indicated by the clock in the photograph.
12:33
